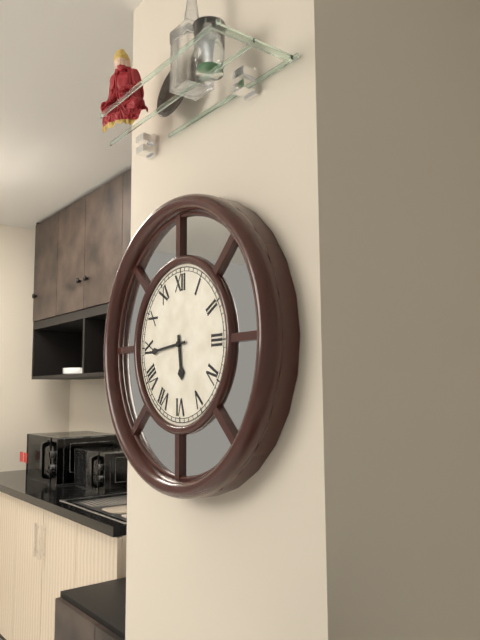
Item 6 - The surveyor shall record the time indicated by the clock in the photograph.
5:44
